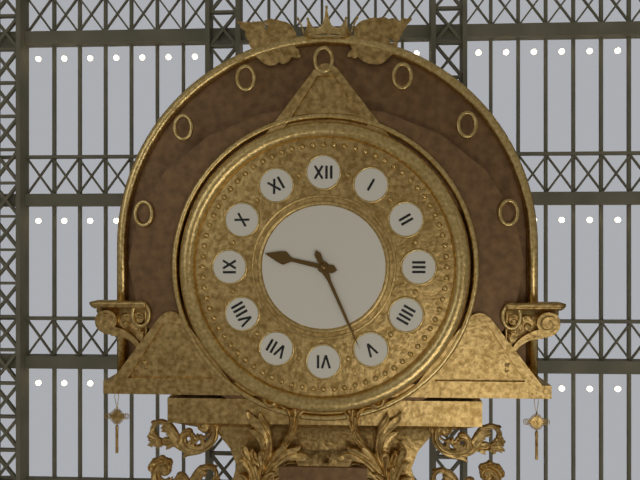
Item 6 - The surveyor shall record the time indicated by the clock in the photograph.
9:26
